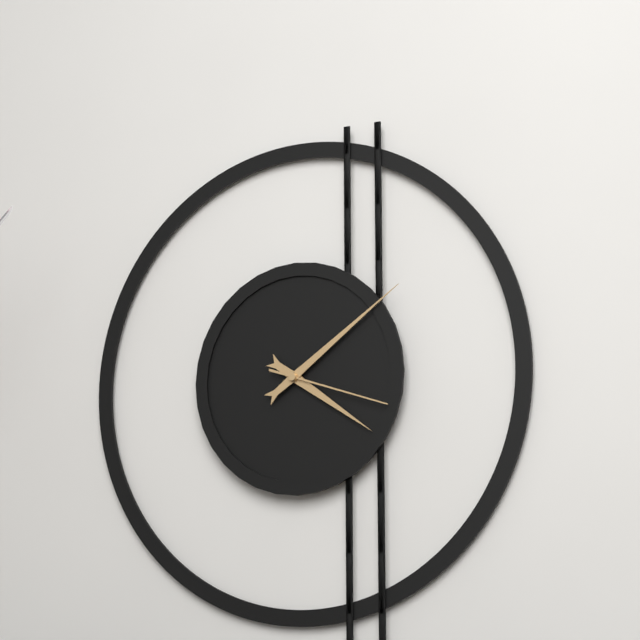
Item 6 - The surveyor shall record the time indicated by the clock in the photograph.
4:09:18
